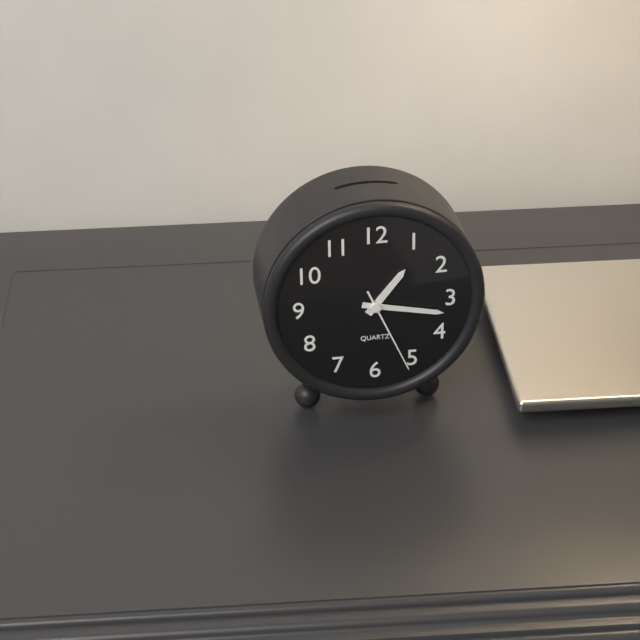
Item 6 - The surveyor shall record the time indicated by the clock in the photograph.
1:17:26
